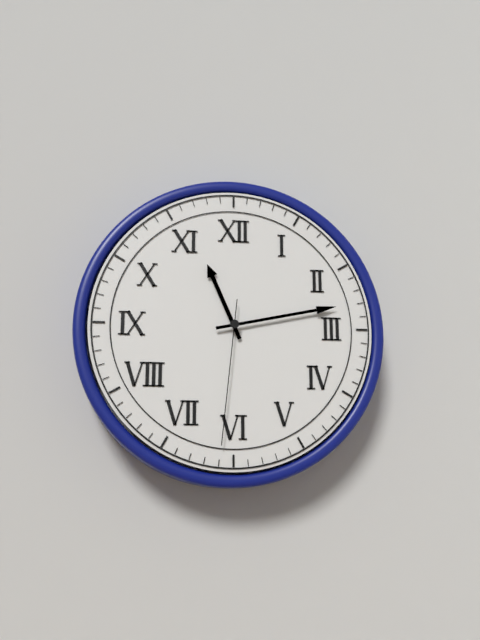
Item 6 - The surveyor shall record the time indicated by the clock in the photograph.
11:13:31
